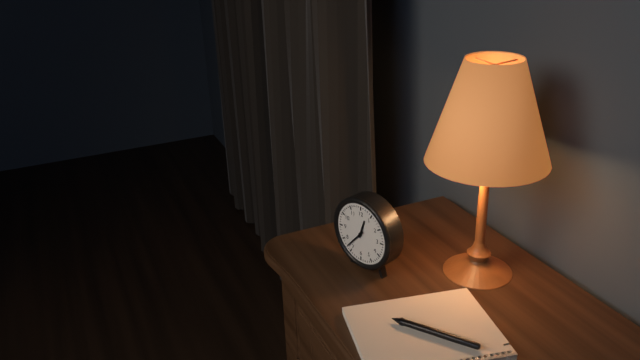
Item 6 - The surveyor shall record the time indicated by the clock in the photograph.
12:37
